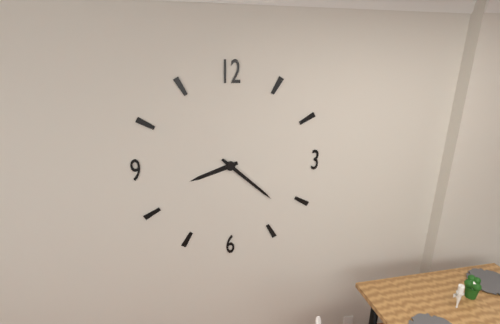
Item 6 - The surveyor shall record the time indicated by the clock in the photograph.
8:22
